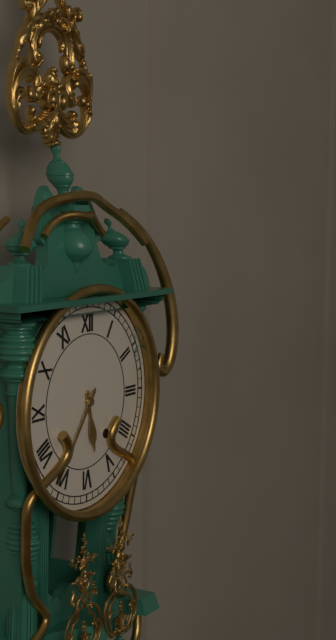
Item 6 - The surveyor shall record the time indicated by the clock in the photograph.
5:36
